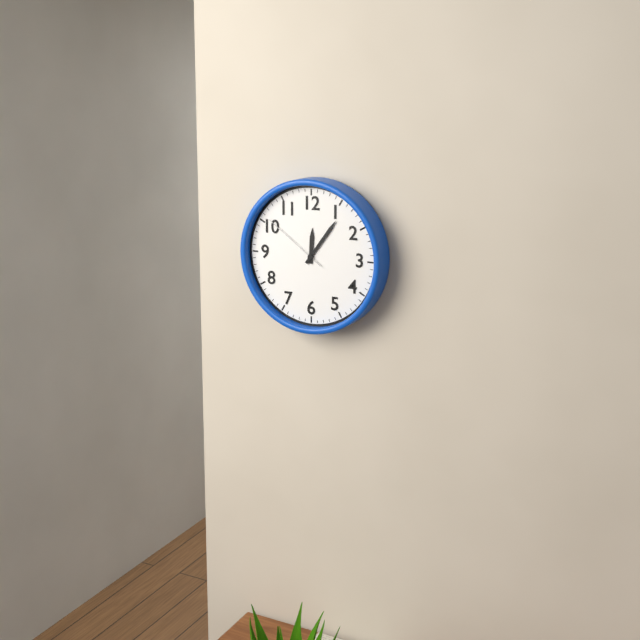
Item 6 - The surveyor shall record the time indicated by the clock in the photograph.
12:06:51
